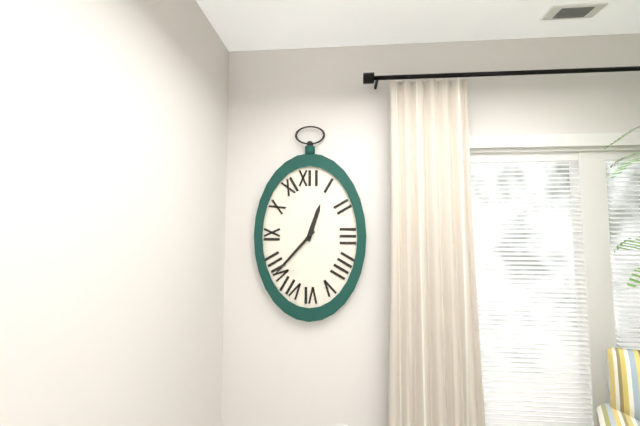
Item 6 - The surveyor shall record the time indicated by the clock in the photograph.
12:37
